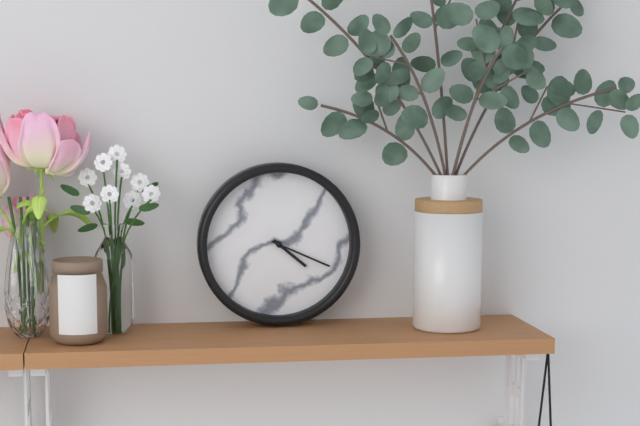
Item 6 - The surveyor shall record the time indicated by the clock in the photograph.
4:19
